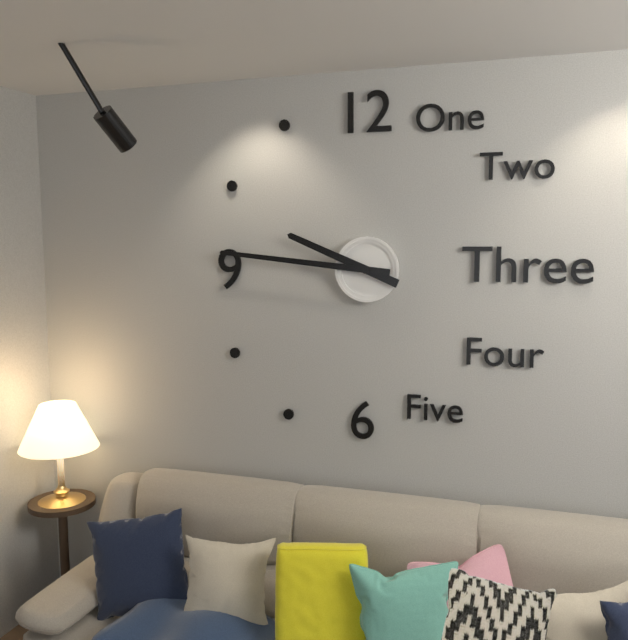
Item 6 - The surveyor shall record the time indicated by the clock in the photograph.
9:46
